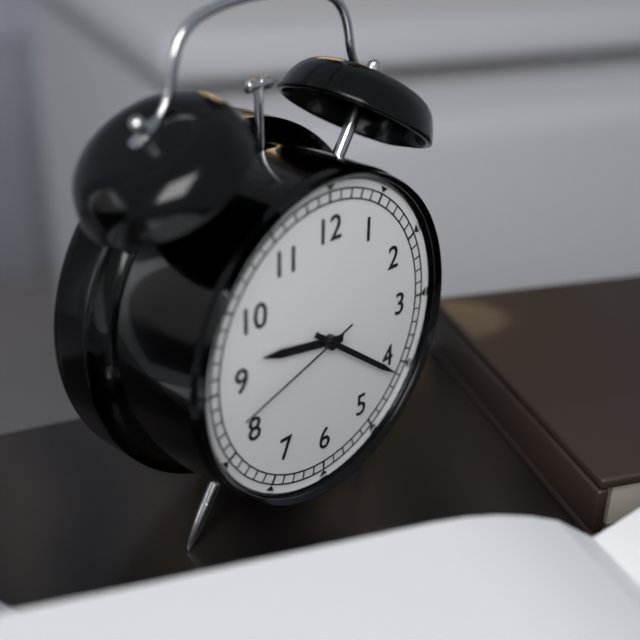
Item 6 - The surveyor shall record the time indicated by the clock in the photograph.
9:21:42
